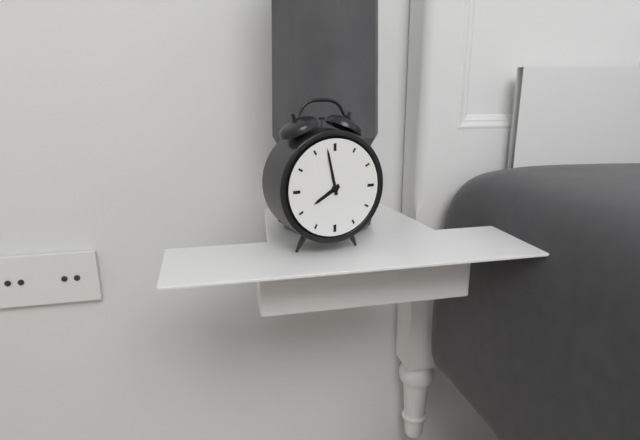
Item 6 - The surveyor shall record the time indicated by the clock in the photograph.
7:58
